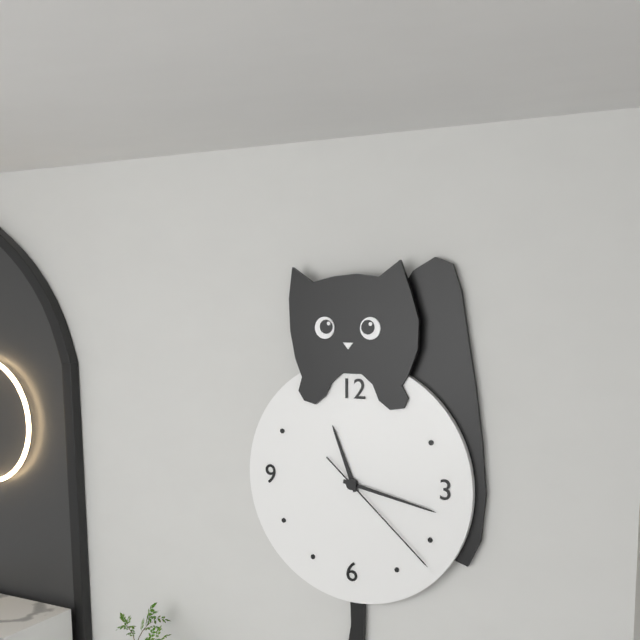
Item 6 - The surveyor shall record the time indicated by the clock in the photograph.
11:17:22
